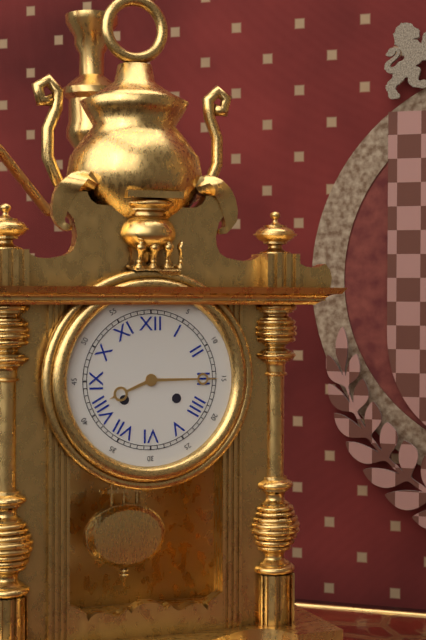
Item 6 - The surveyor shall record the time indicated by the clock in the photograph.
8:15
